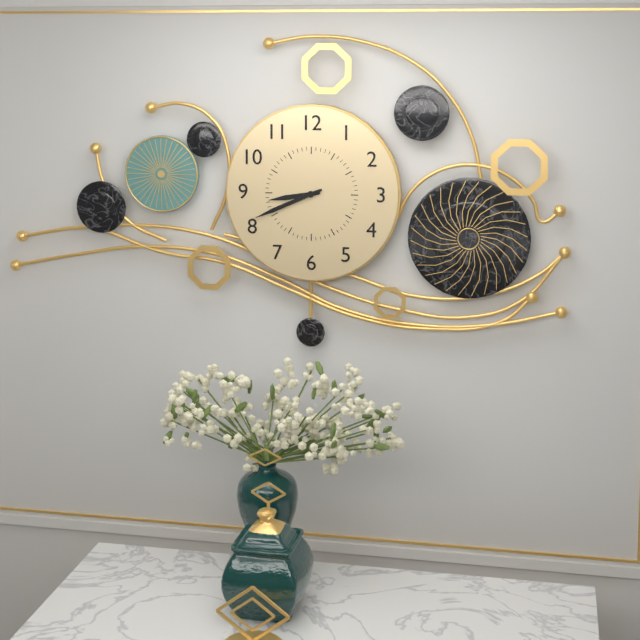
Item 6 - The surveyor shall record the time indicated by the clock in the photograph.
8:41
